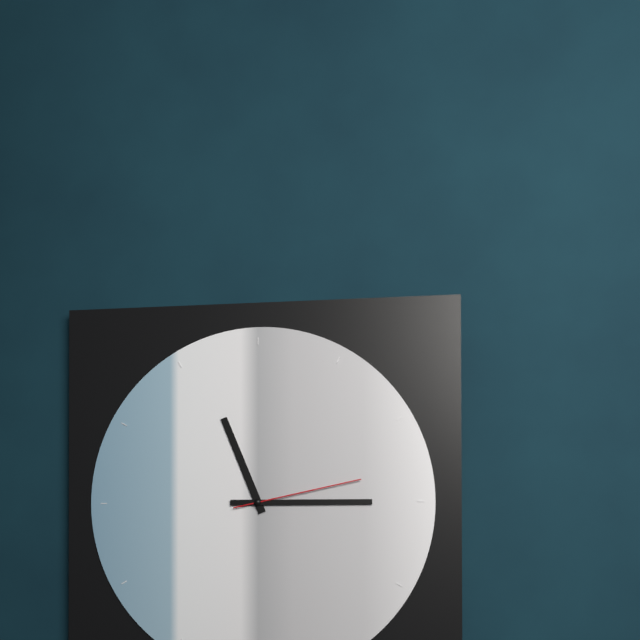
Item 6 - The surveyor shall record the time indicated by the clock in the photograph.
11:15:13
